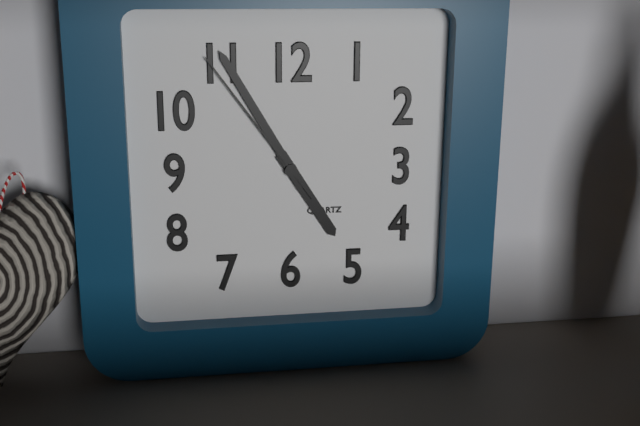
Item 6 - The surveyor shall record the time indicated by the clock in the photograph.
4:55:54
